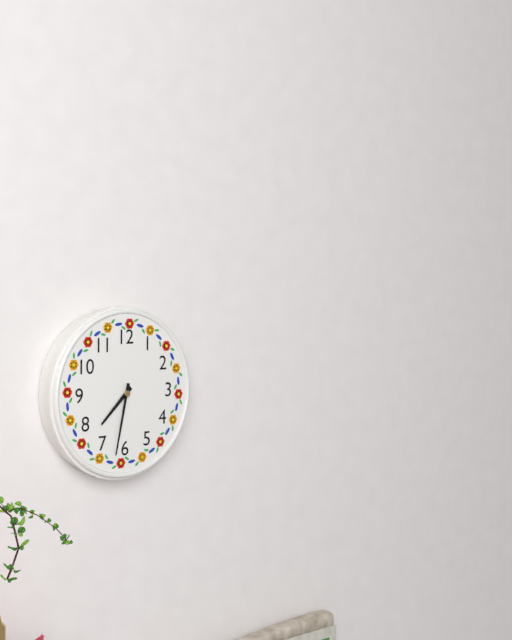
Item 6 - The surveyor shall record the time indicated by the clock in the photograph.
7:32
